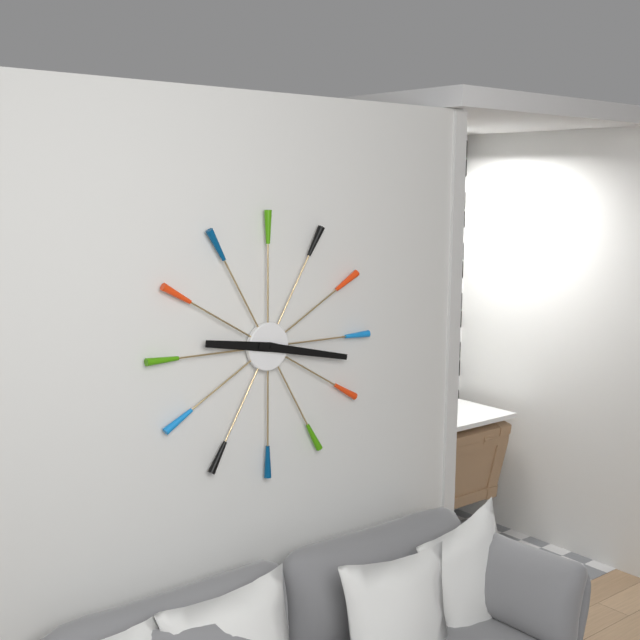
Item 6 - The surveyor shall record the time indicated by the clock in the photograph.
9:17
